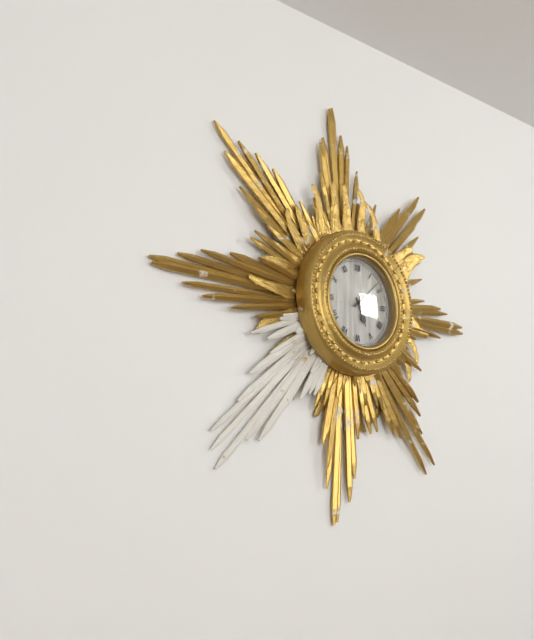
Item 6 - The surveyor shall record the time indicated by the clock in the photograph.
5:08
